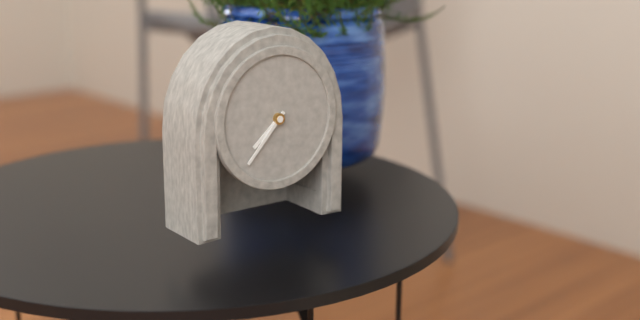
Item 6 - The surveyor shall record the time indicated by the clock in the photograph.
7:37
